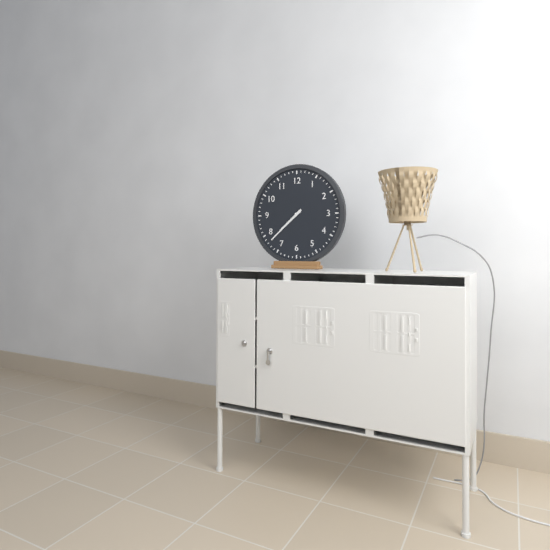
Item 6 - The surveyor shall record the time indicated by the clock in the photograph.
7:38
